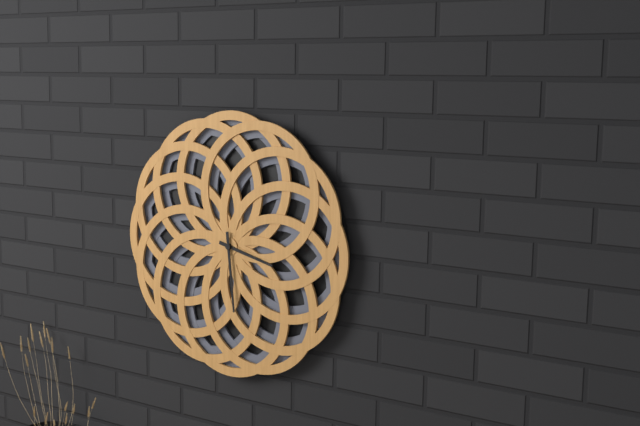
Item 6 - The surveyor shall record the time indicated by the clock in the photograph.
3:29
